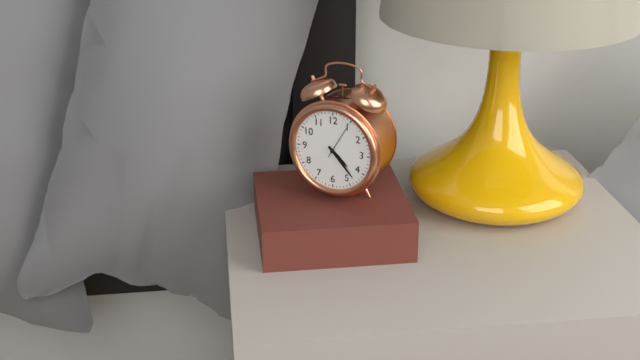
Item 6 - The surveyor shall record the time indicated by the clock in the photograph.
4:23
